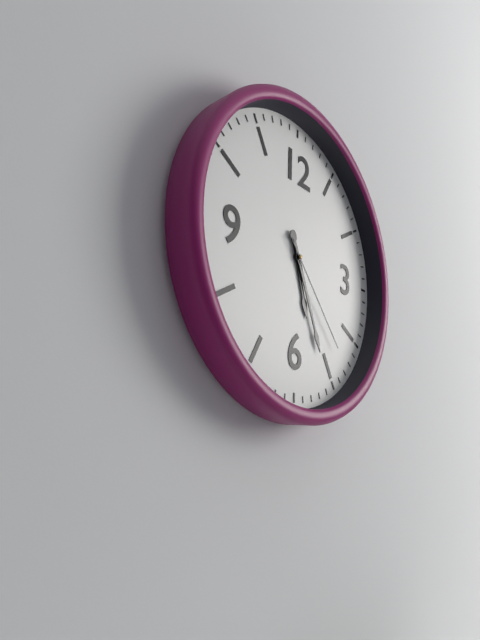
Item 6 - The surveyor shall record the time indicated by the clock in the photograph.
5:26:23
